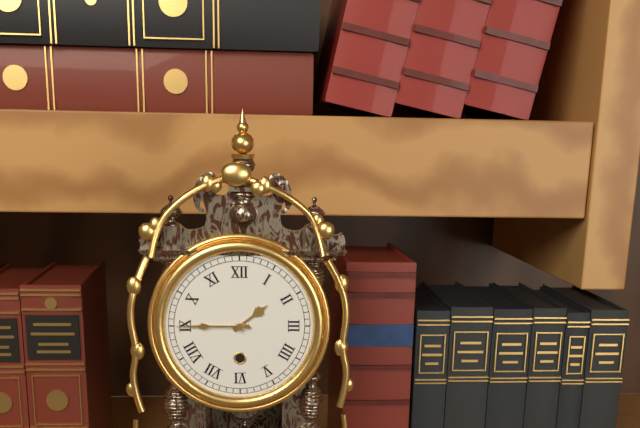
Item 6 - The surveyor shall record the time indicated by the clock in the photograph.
1:45
